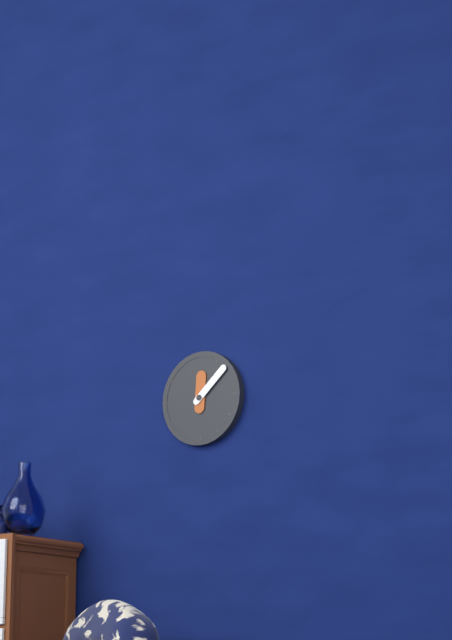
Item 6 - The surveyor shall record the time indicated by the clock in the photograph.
12:08
